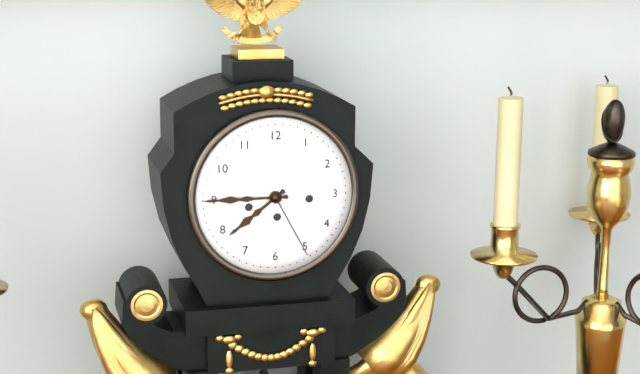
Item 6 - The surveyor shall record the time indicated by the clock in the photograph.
7:45
